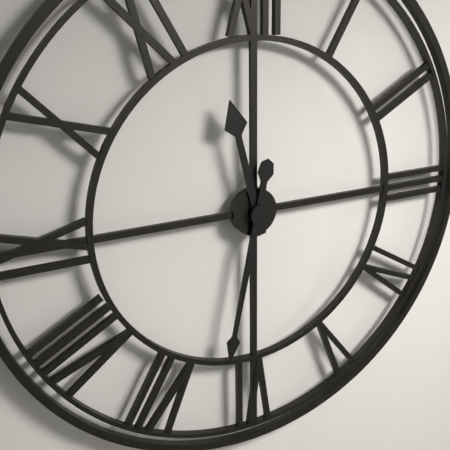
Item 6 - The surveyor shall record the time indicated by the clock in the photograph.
11:32
